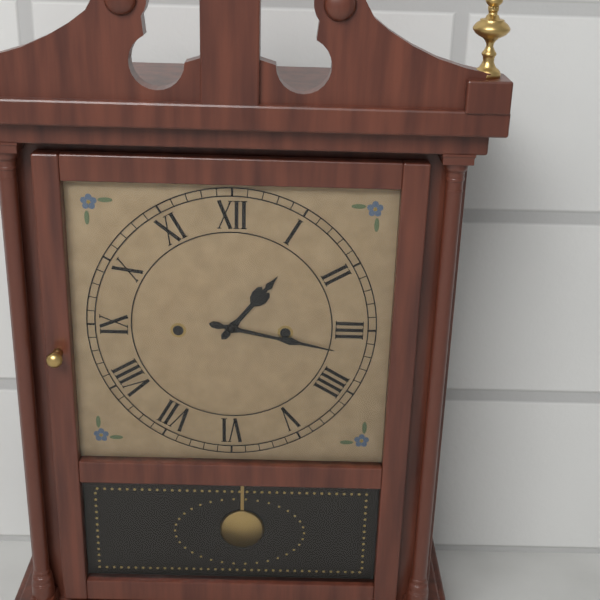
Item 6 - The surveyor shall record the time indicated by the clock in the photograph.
1:17
